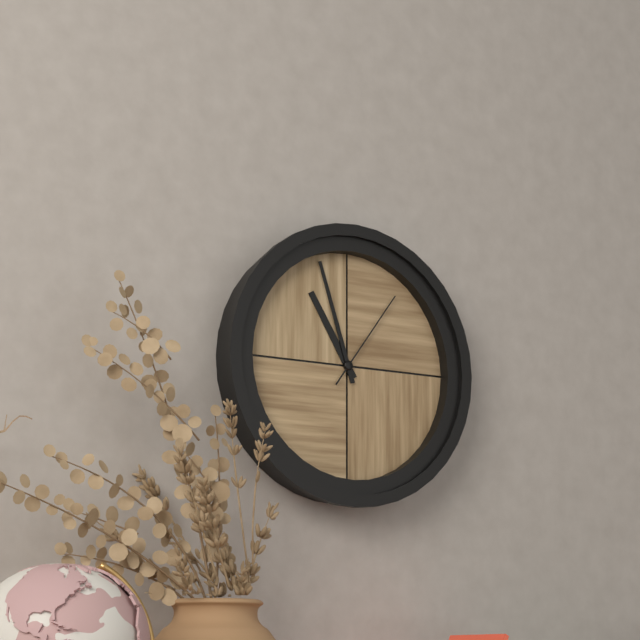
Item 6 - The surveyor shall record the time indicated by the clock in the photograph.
10:57:06
